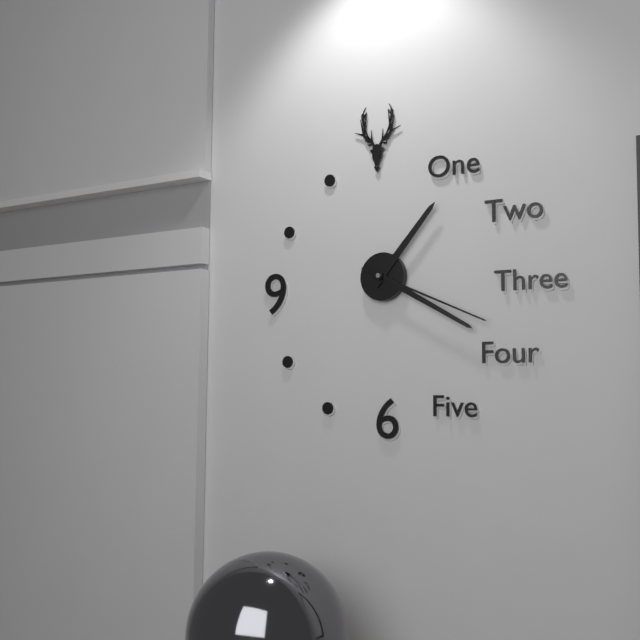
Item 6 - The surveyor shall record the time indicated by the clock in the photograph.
1:20:19
